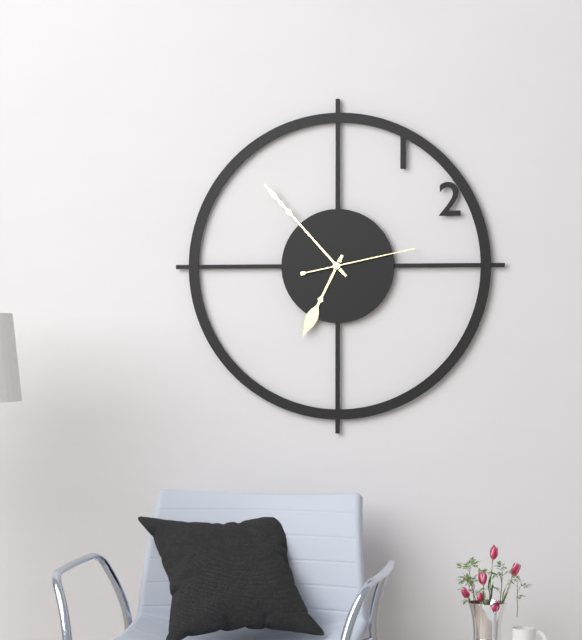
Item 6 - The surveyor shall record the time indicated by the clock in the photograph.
6:53:13
